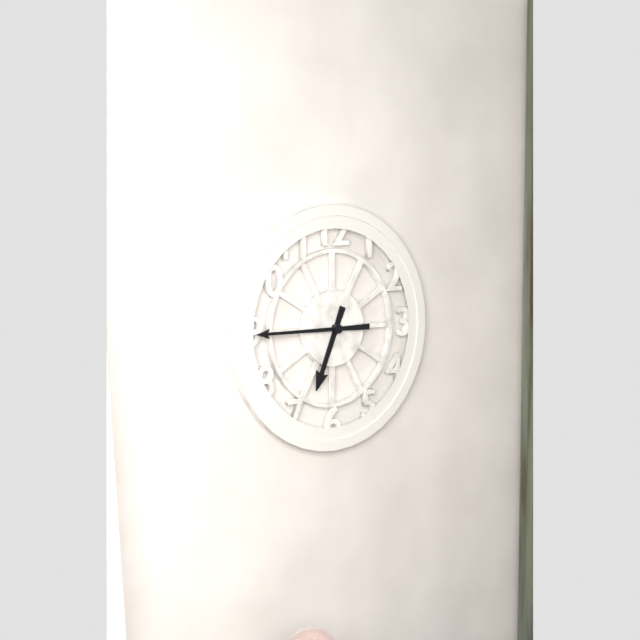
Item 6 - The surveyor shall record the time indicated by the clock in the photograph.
6:45
